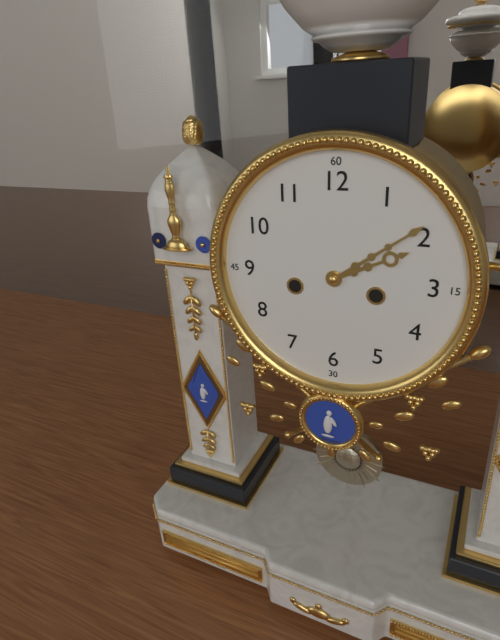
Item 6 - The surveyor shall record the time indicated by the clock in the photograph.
2:09
